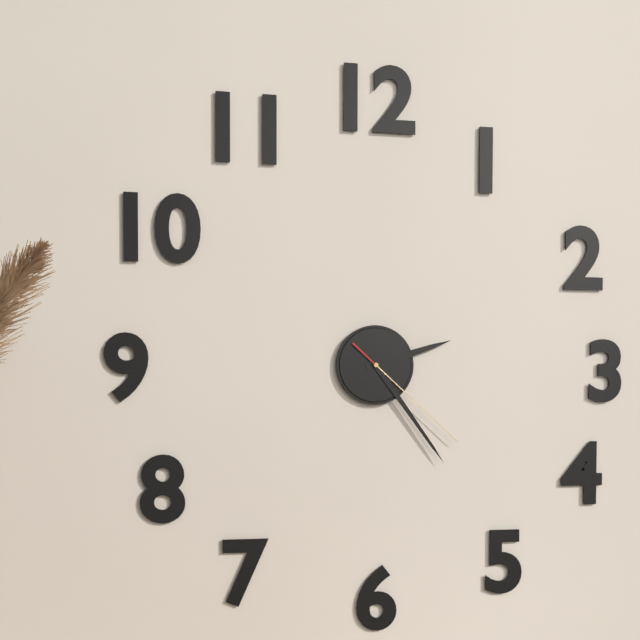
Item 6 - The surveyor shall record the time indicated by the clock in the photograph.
2:24:22
